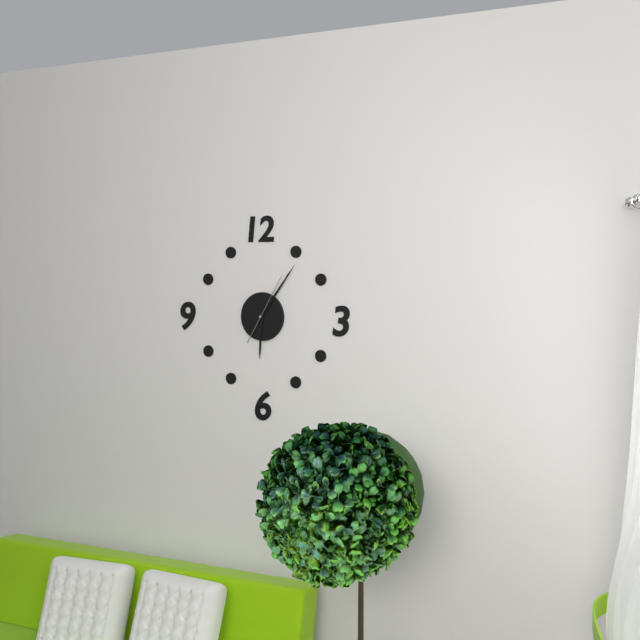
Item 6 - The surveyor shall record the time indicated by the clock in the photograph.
6:06:05
